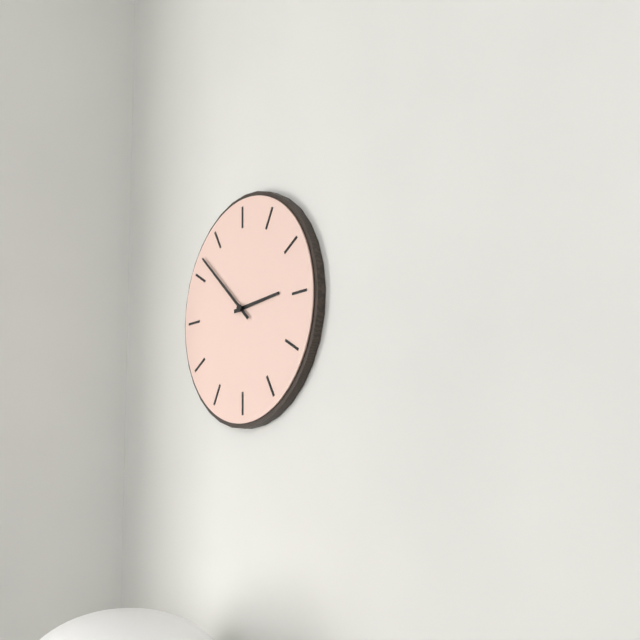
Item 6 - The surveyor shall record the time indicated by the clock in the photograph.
2:52
